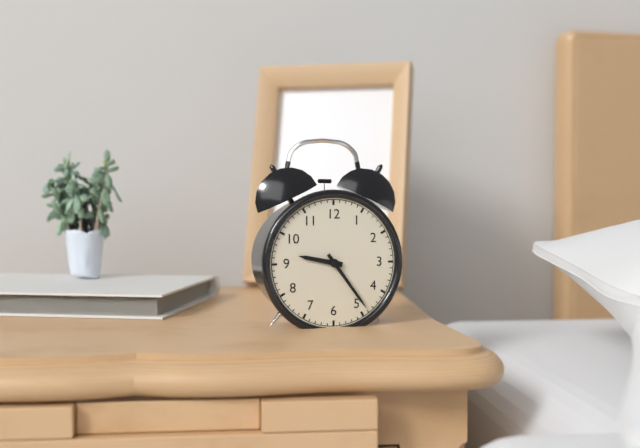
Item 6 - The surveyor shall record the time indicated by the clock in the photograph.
9:24
